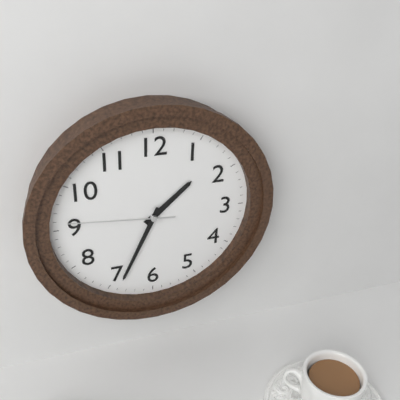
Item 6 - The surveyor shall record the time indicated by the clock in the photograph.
1:34:46
